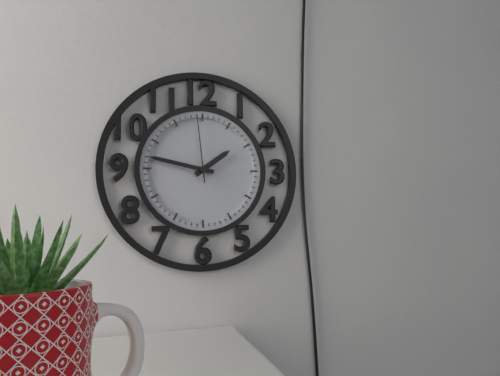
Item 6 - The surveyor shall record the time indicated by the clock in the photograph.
1:47:59
